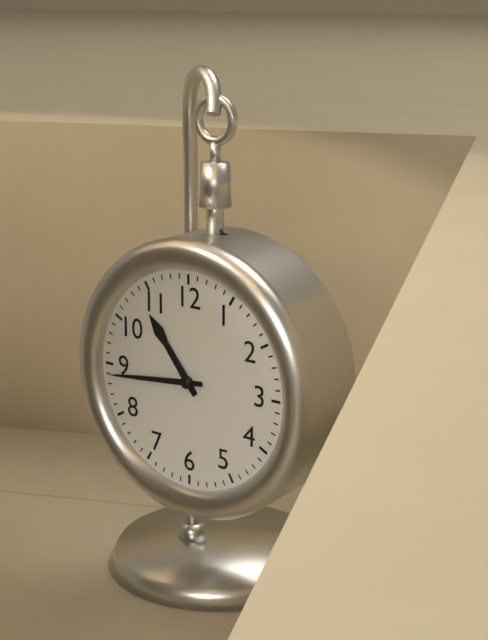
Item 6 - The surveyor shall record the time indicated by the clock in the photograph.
10:44
